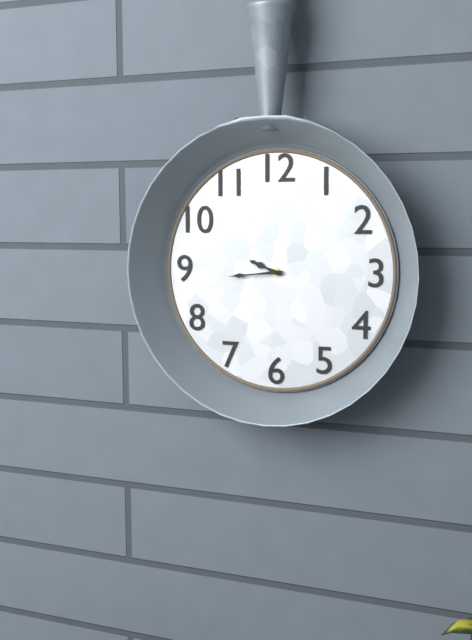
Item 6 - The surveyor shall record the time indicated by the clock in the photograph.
9:44
